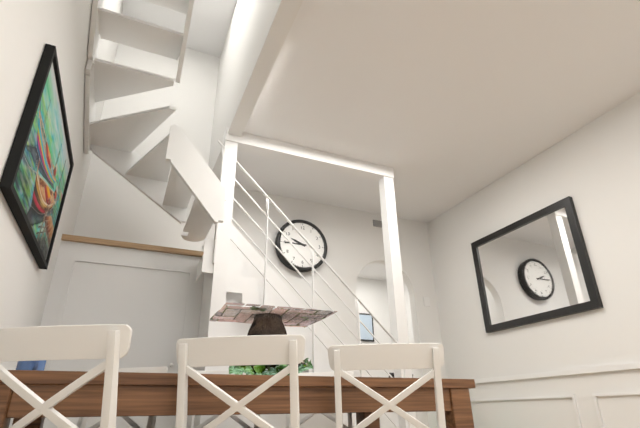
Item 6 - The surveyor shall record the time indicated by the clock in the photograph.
9:45
